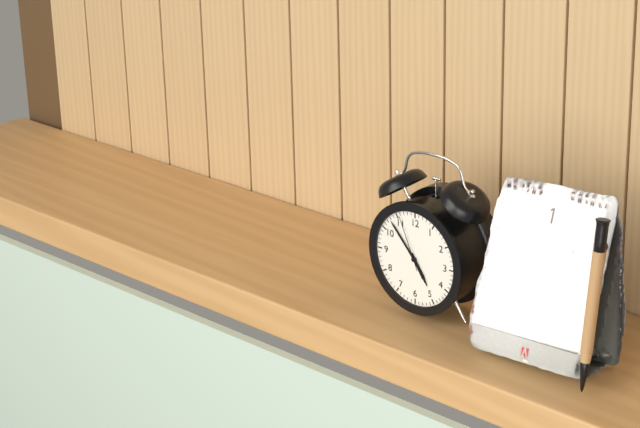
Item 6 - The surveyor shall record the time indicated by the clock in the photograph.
4:53:56
